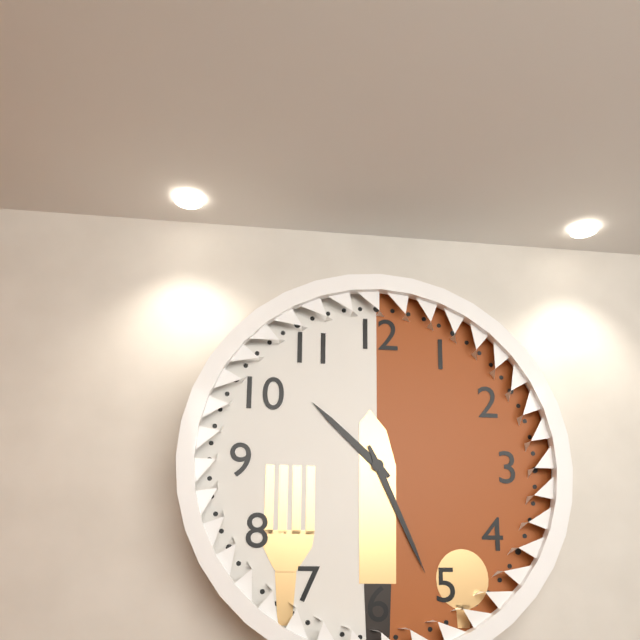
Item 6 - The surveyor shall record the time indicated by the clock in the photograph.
10:26
